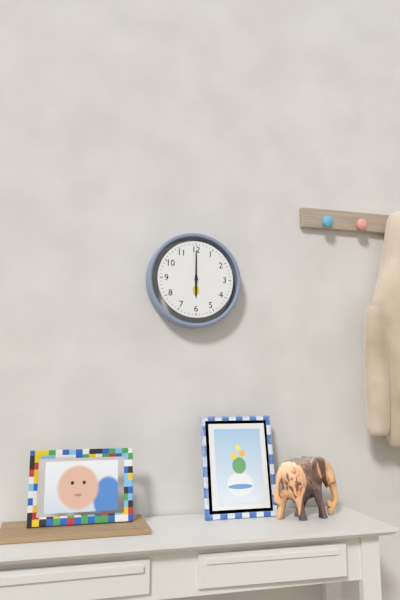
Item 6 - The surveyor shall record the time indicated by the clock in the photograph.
6:00
